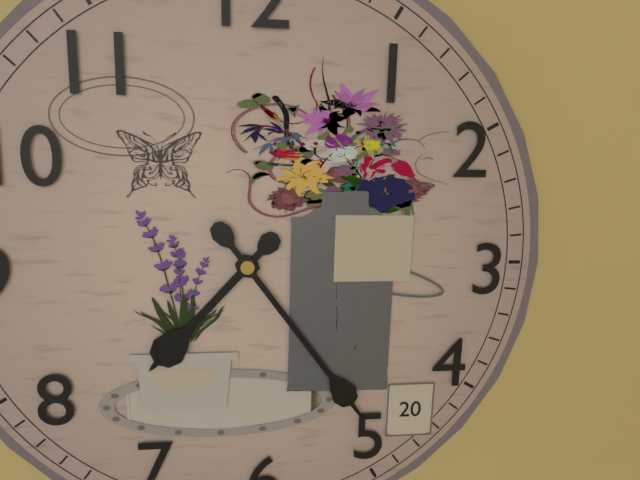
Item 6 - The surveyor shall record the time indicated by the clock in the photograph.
7:24
